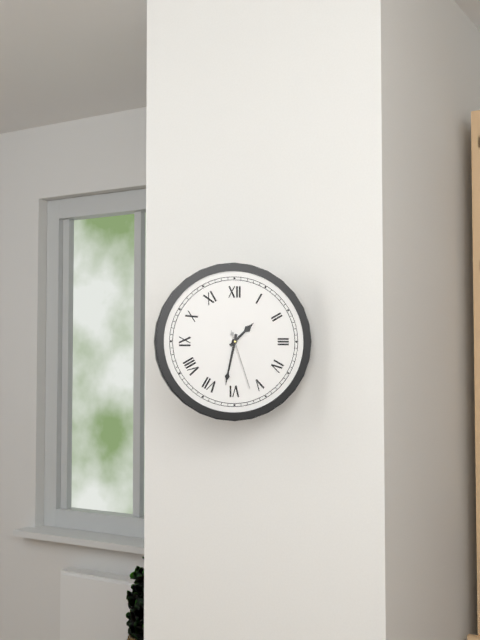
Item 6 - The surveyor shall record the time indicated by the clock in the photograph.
1:32:27
